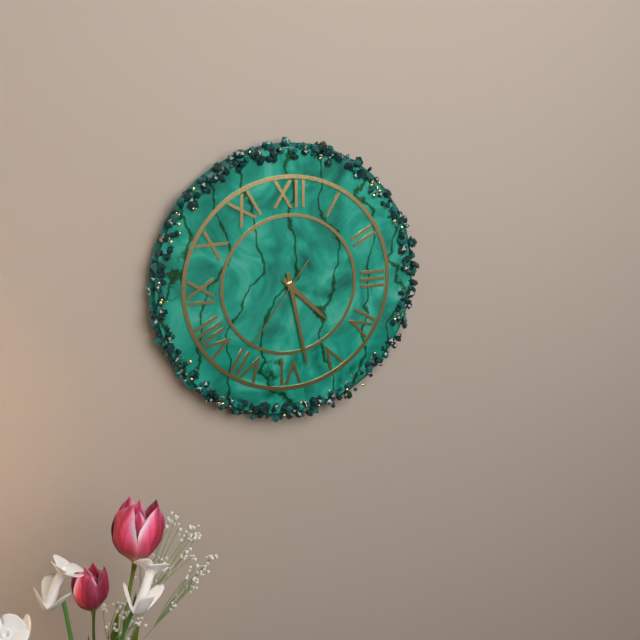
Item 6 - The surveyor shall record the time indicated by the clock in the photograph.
4:28:36
